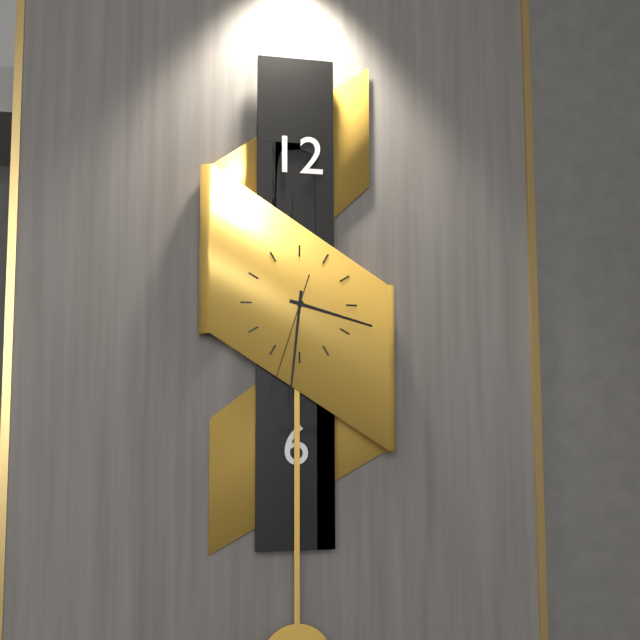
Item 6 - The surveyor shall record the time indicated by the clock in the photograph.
3:31:33
